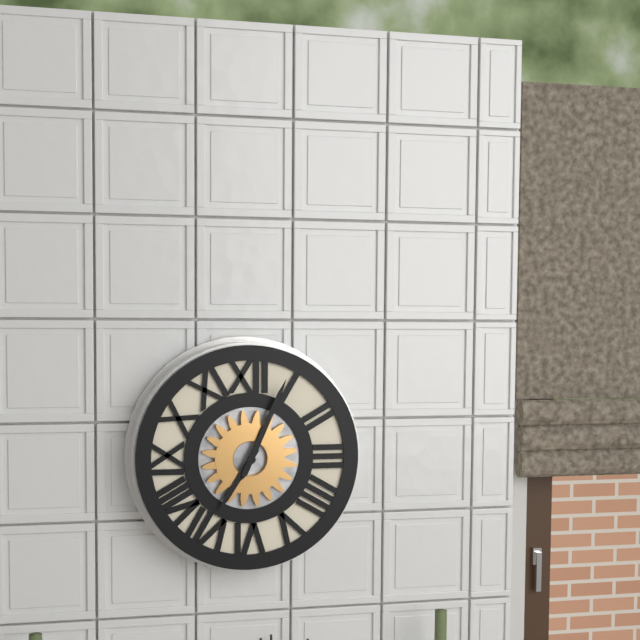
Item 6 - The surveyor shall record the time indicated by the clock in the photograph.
7:04
